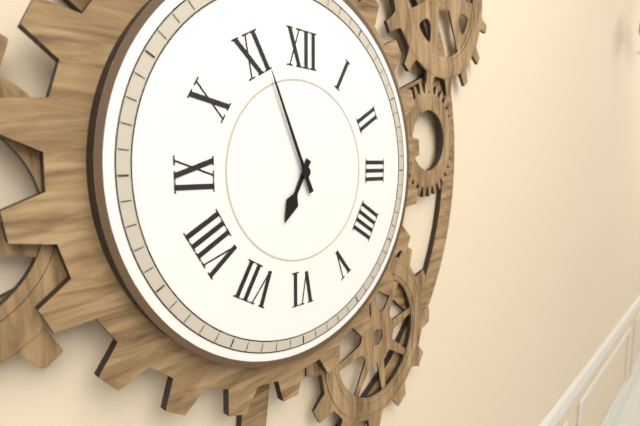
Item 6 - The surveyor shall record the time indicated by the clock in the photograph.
6:56
